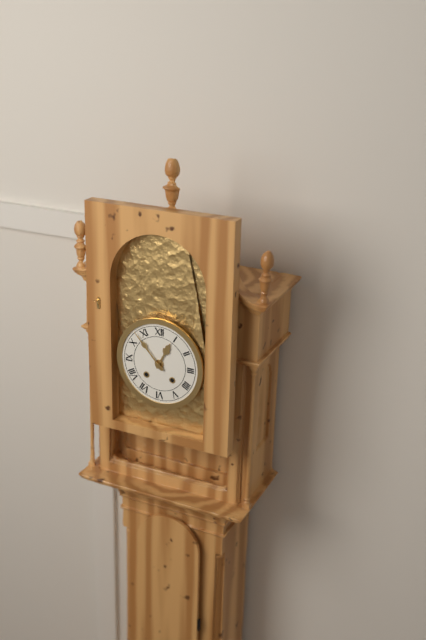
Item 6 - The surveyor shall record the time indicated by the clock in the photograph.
12:53
